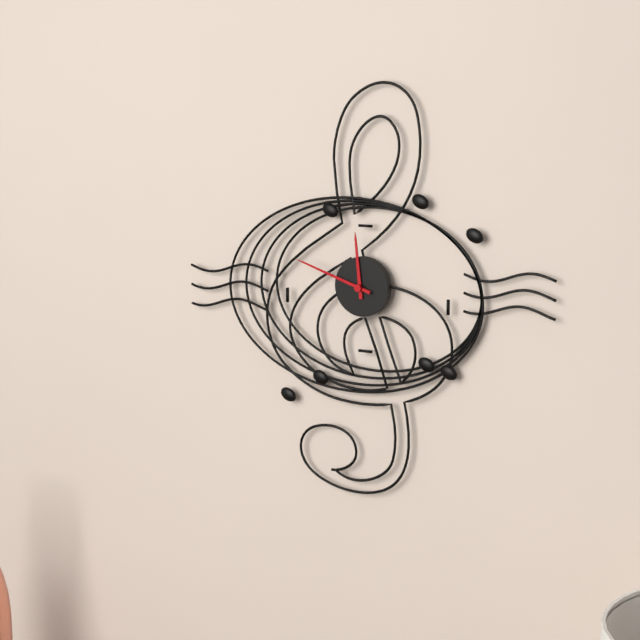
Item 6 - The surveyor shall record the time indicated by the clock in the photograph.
11:48
